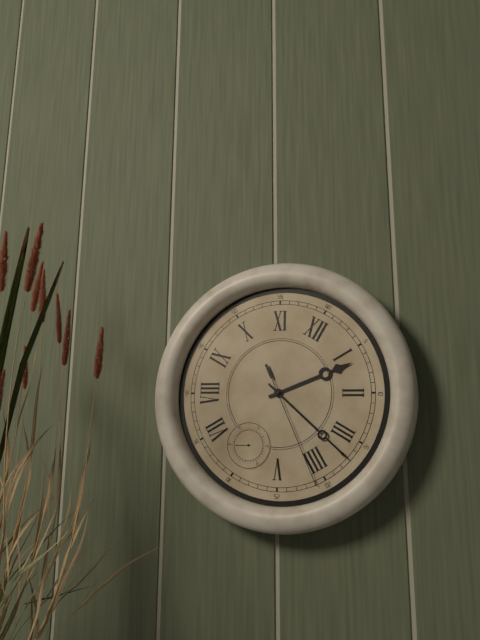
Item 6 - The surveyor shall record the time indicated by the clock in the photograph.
1:17:21
